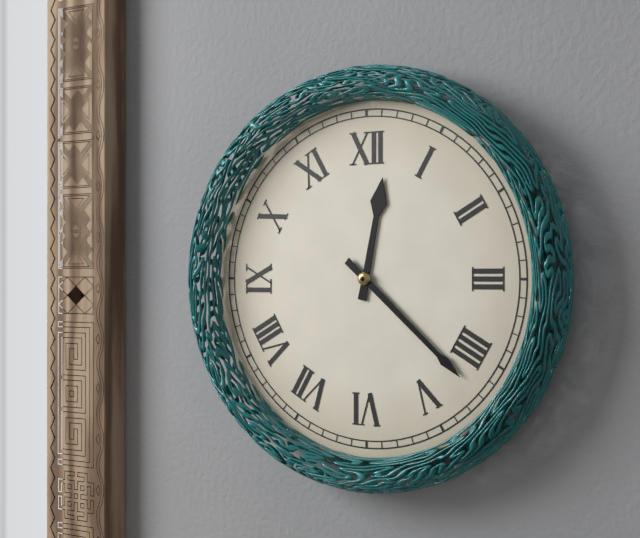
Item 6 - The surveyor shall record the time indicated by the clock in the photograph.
12:22
